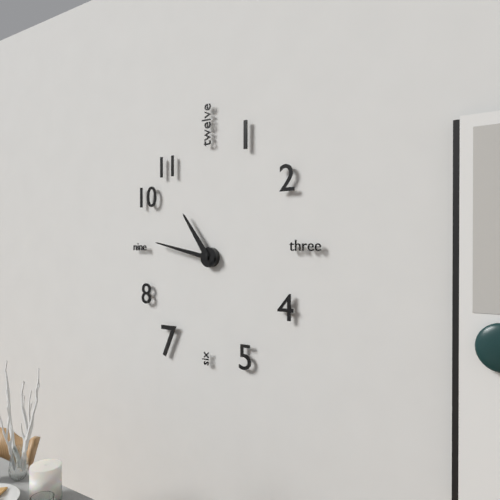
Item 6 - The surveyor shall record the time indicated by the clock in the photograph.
10:47
